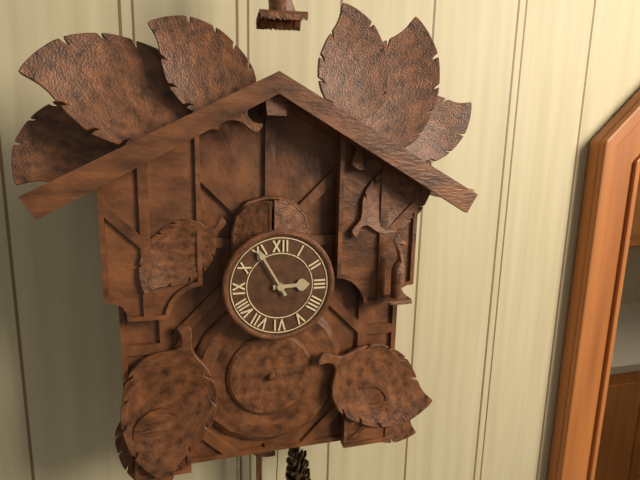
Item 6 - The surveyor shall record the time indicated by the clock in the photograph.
2:55
